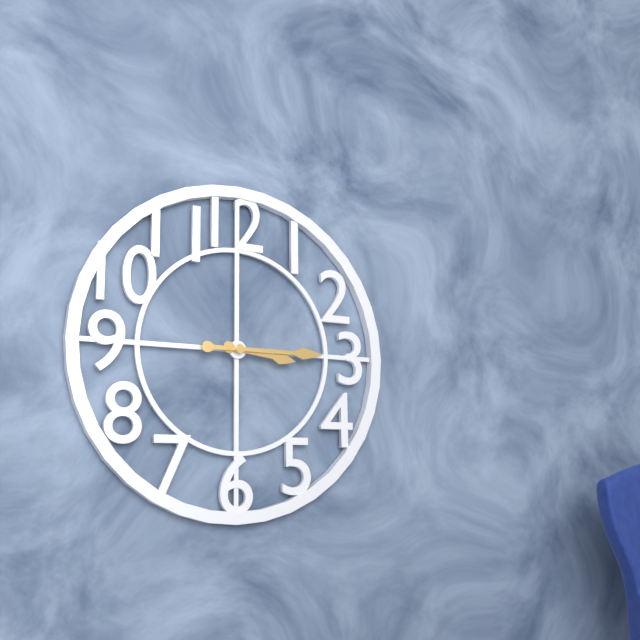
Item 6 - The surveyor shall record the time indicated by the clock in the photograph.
3:15
